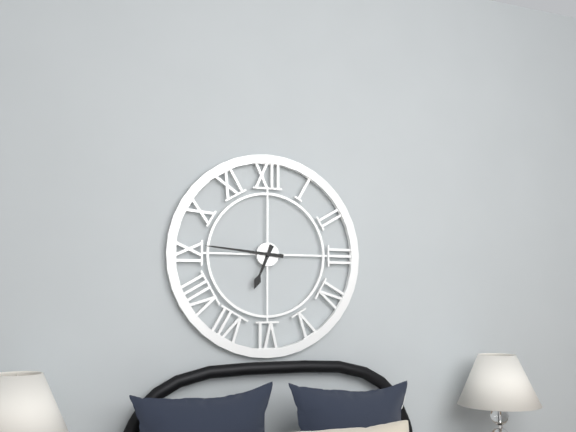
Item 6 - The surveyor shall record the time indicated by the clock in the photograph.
6:46
